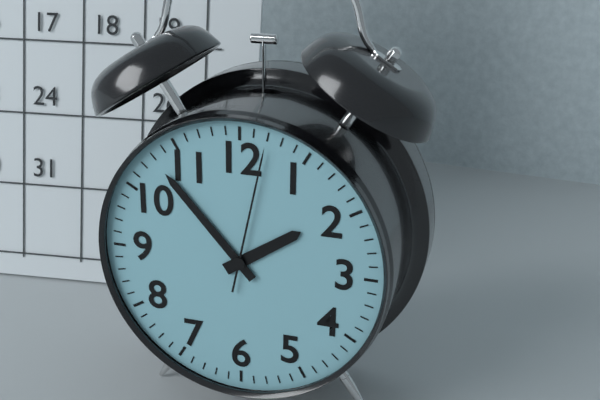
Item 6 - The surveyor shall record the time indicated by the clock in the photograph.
1:53:02
